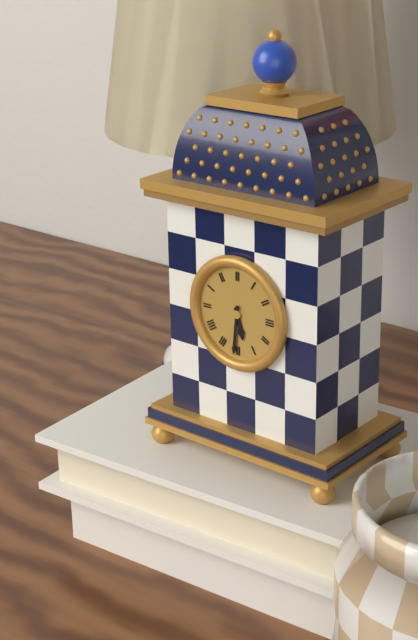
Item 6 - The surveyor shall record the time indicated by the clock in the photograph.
5:31
